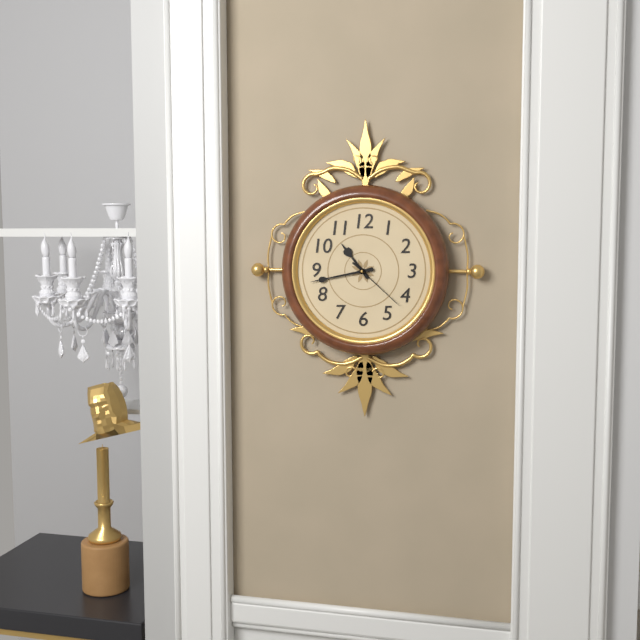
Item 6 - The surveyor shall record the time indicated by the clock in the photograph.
10:43:22
